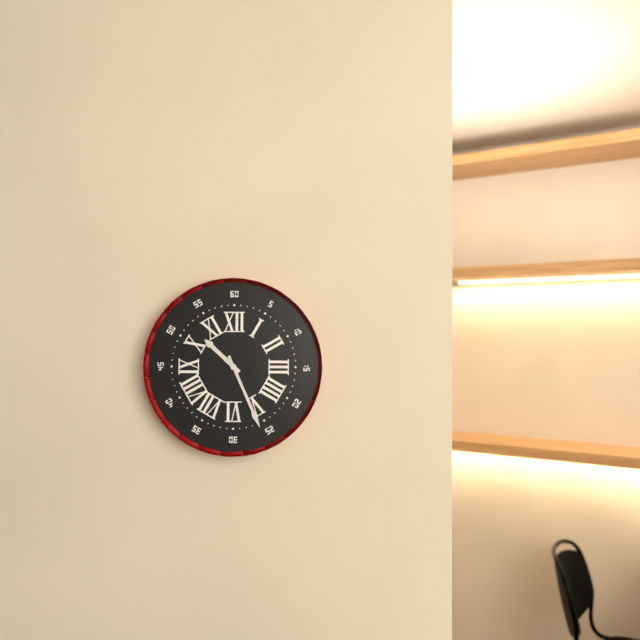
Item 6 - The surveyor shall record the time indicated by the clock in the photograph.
10:26
